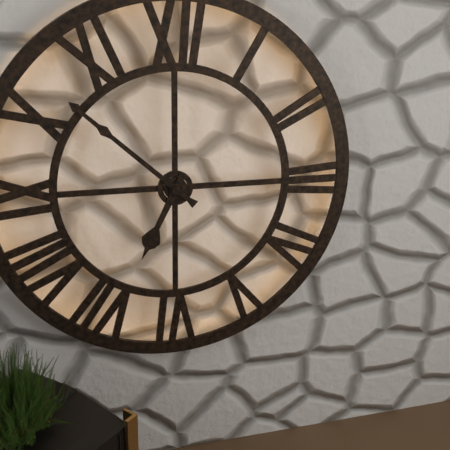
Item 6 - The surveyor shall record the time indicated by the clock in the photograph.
6:52
